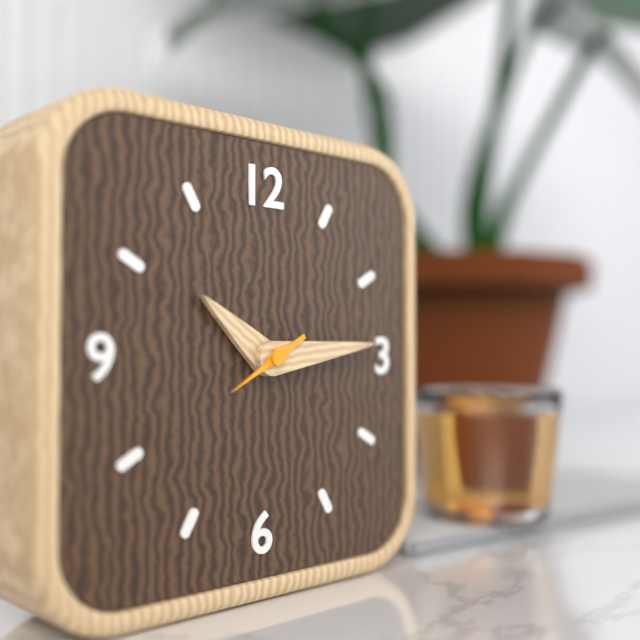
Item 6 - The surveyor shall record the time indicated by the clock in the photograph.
10:14:40
